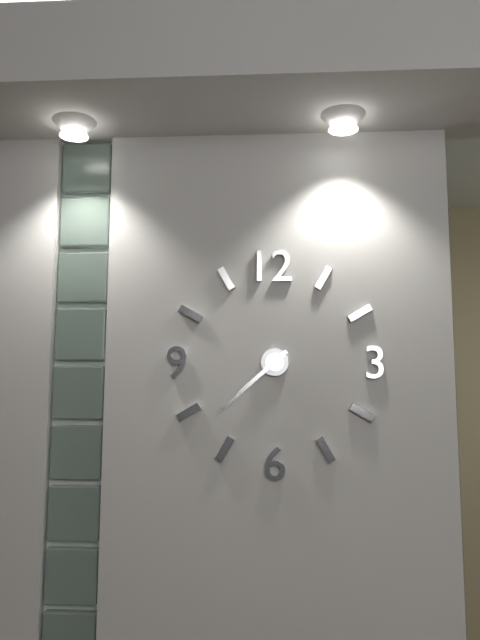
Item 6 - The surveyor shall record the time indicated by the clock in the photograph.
7:38
